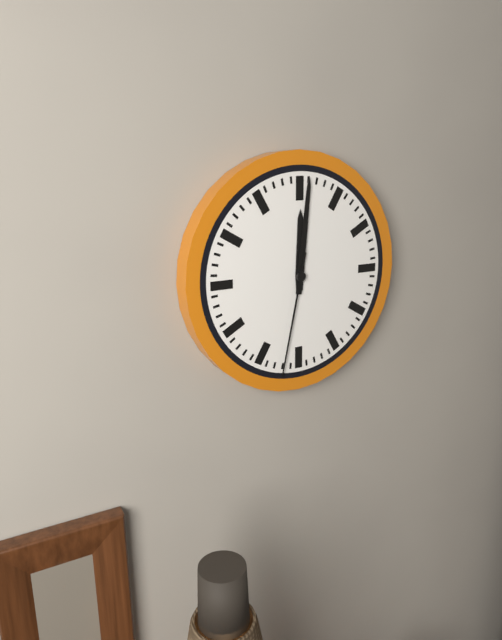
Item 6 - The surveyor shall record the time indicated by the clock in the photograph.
12:01:32
